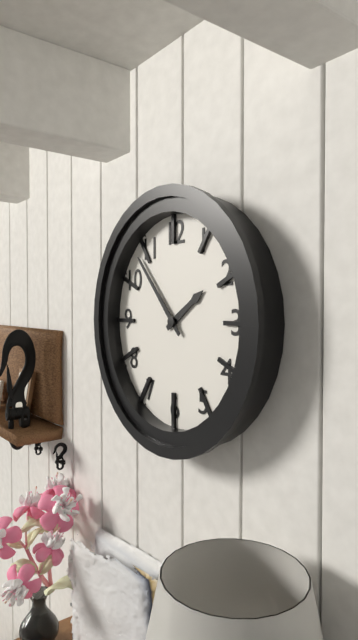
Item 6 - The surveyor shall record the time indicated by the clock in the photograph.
1:53
